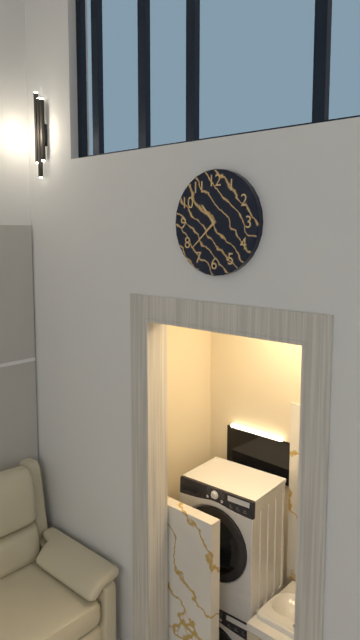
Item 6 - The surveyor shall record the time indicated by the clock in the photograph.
10:38
